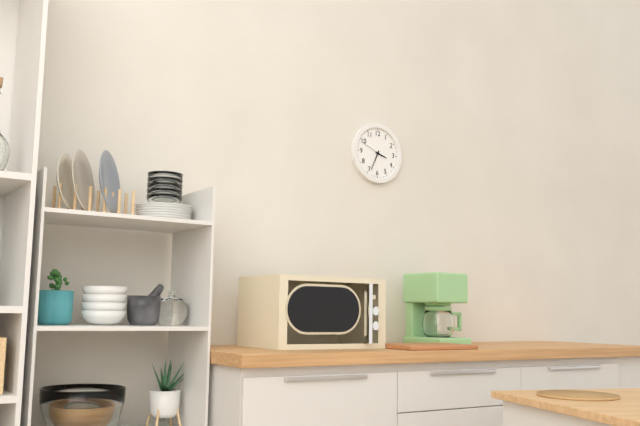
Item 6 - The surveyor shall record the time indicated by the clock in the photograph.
3:34
